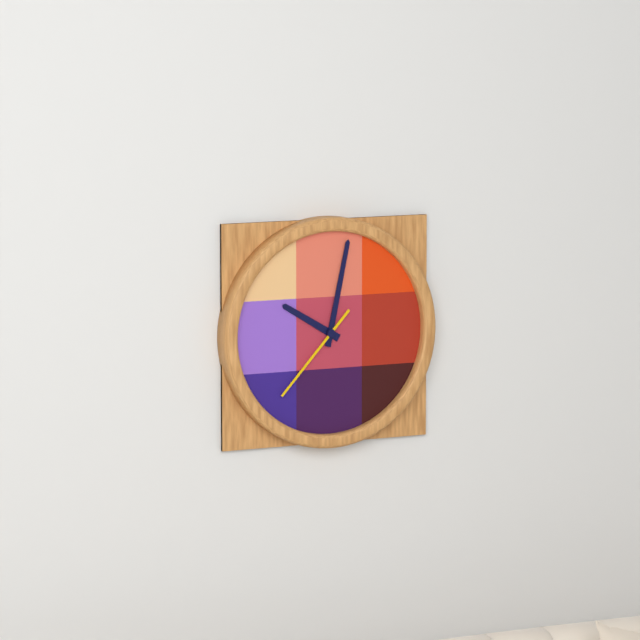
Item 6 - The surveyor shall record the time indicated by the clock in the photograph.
10:02:37
